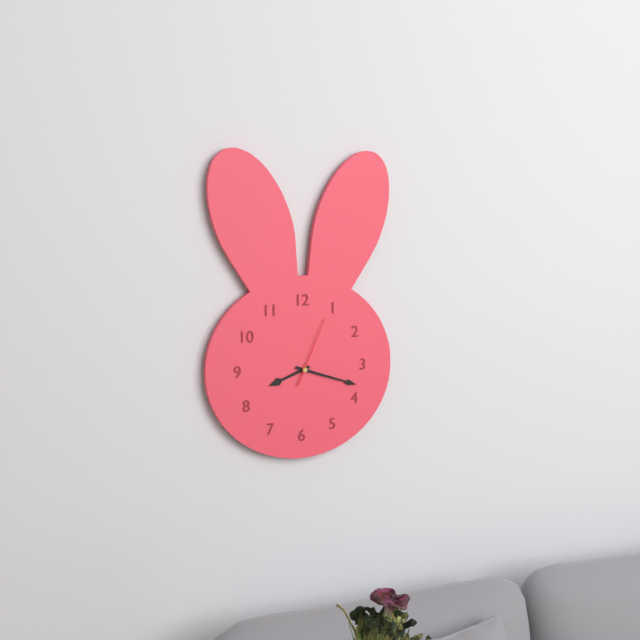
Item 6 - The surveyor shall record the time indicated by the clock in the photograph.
8:18:04
